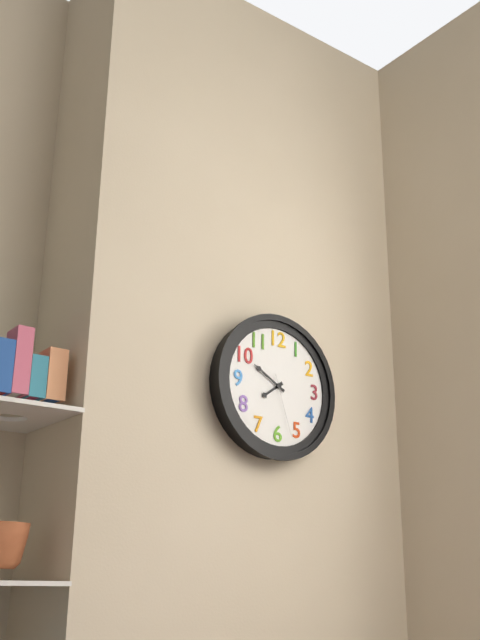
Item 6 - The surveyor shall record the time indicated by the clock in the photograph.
7:50:27
